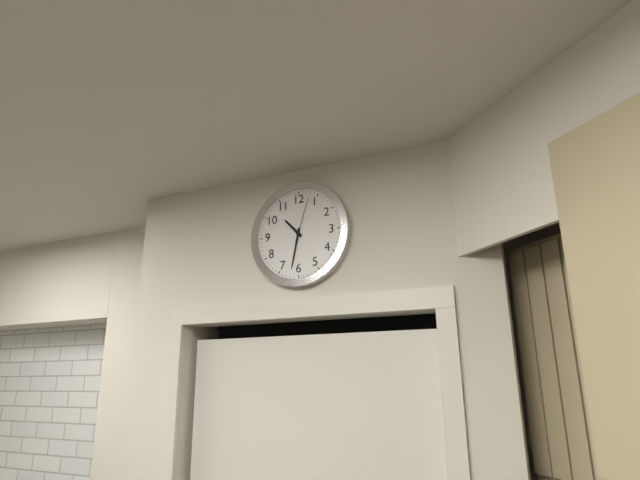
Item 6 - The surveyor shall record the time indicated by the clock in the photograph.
10:32
